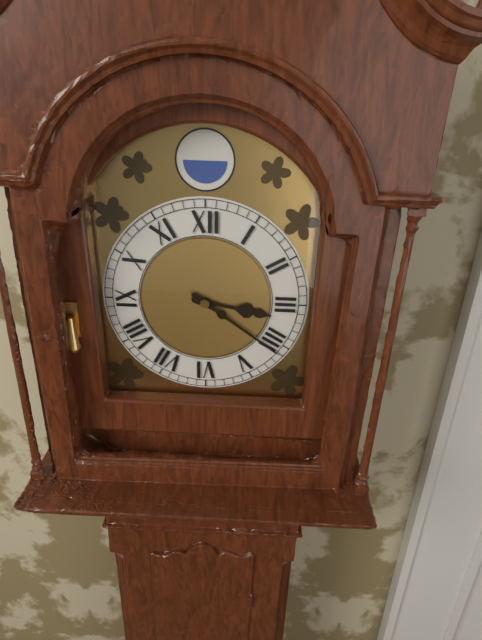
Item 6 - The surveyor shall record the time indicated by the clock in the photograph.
3:21
